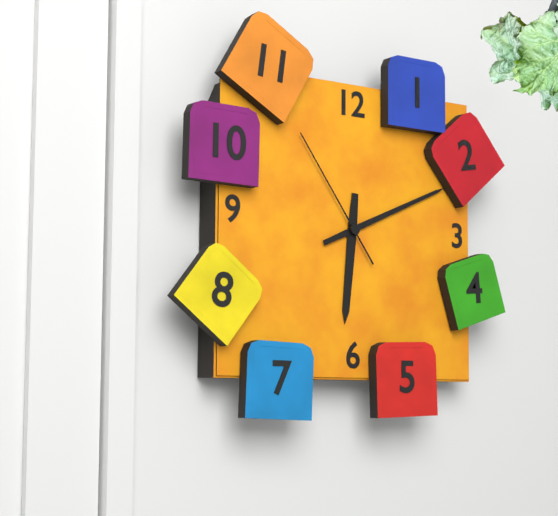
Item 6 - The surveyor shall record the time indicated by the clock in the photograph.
6:11:54
